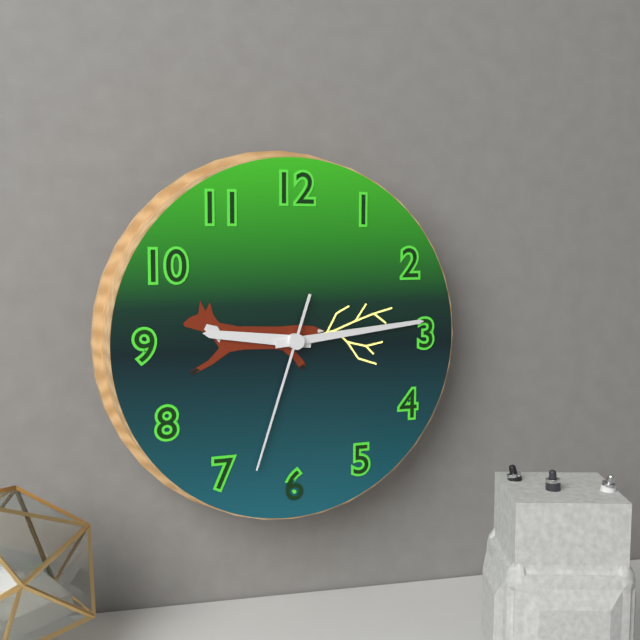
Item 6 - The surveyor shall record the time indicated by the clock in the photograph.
9:14:33
